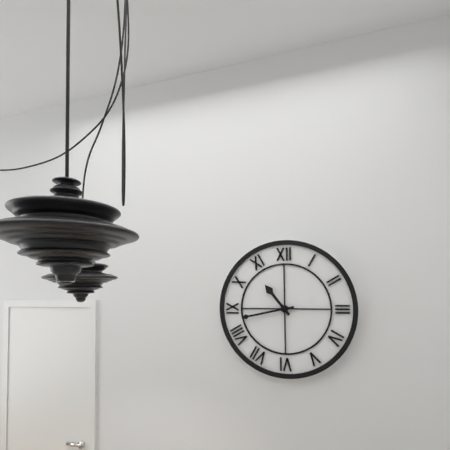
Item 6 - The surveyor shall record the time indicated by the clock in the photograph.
10:43
